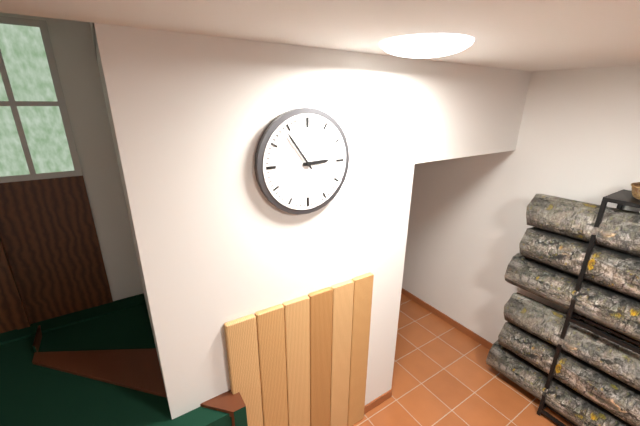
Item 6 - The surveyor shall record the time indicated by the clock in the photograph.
2:54
